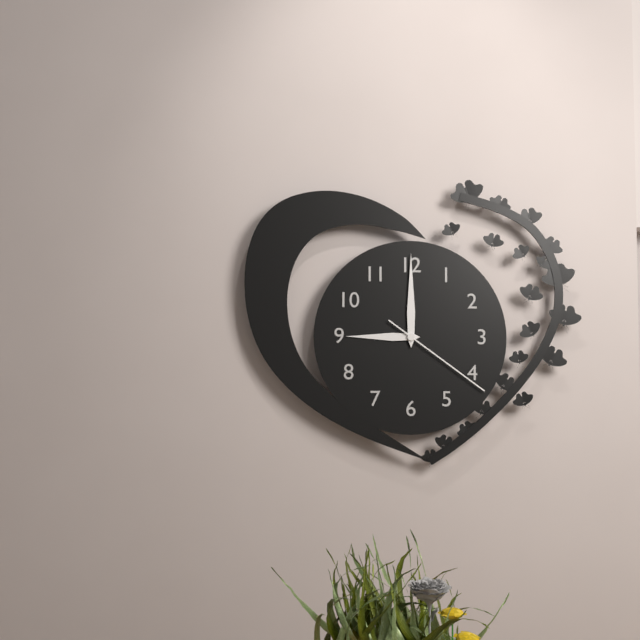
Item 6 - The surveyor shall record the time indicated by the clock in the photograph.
9:00:21
